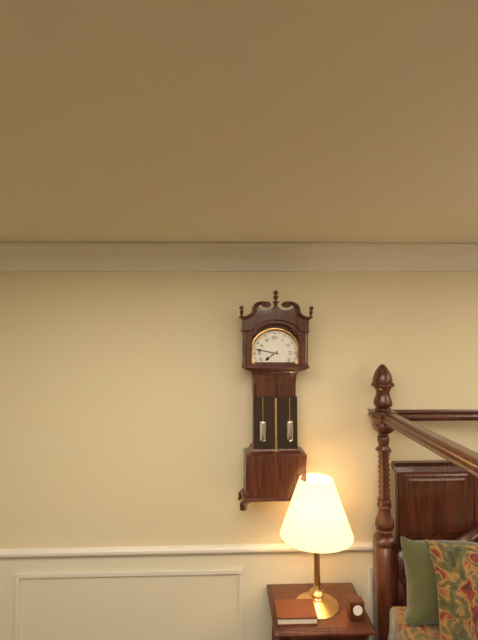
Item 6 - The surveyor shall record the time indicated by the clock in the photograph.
7:47
